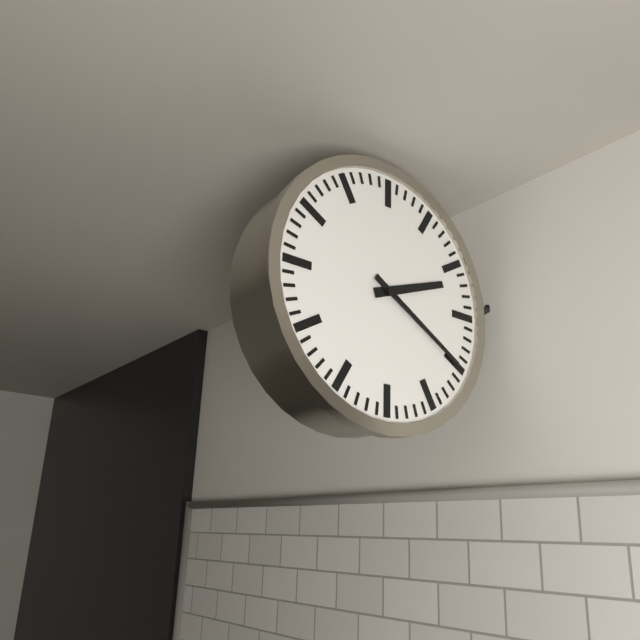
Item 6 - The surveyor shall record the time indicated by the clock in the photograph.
2:20
